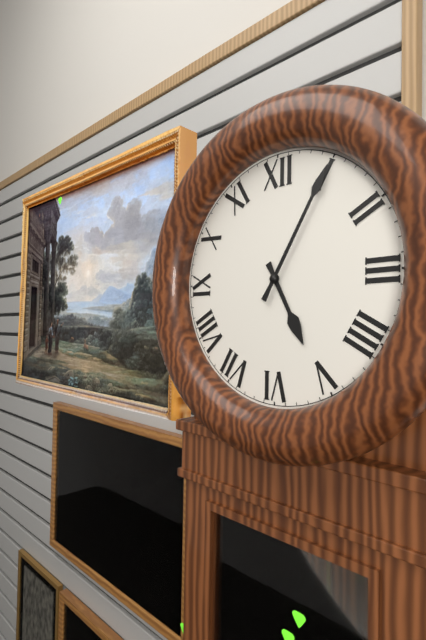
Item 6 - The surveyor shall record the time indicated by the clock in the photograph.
5:05
